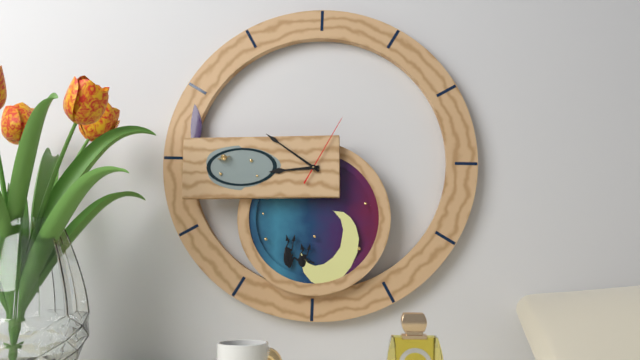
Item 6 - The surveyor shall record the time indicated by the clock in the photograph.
8:51:05
